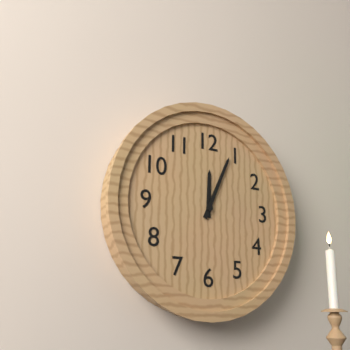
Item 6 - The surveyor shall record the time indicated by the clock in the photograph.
12:04
